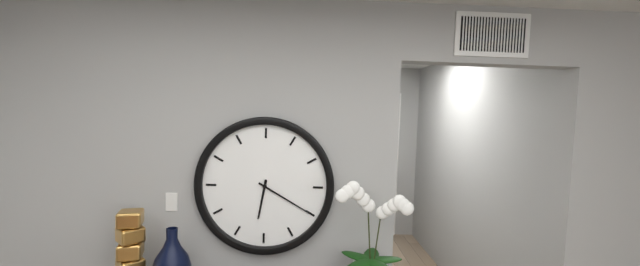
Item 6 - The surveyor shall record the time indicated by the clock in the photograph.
6:20
